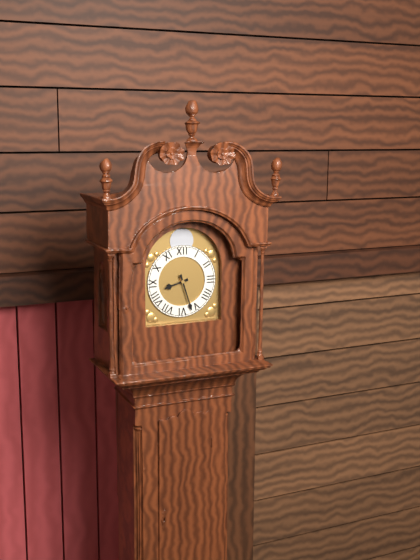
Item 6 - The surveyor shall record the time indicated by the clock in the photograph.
8:27
